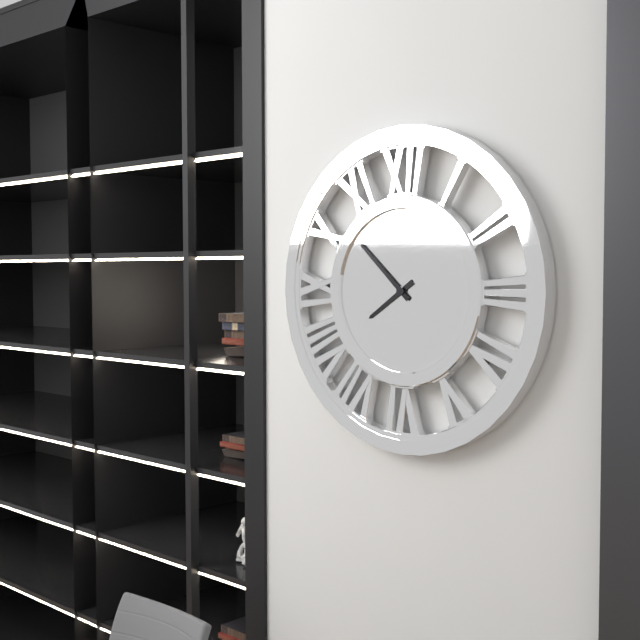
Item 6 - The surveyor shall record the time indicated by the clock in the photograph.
7:52
